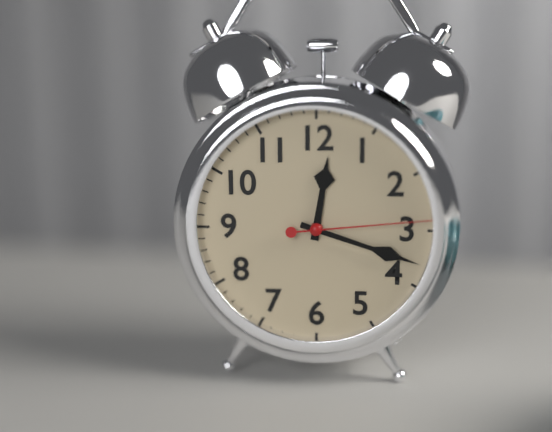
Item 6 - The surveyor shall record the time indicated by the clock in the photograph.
12:18:14
